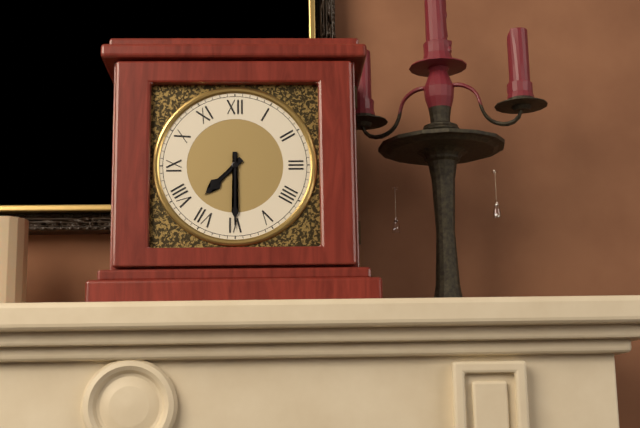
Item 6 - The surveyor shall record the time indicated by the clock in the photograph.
7:30
